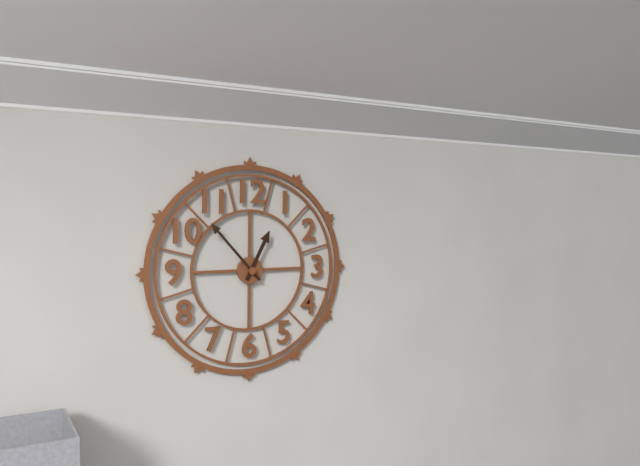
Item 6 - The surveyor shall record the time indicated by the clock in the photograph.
12:53
